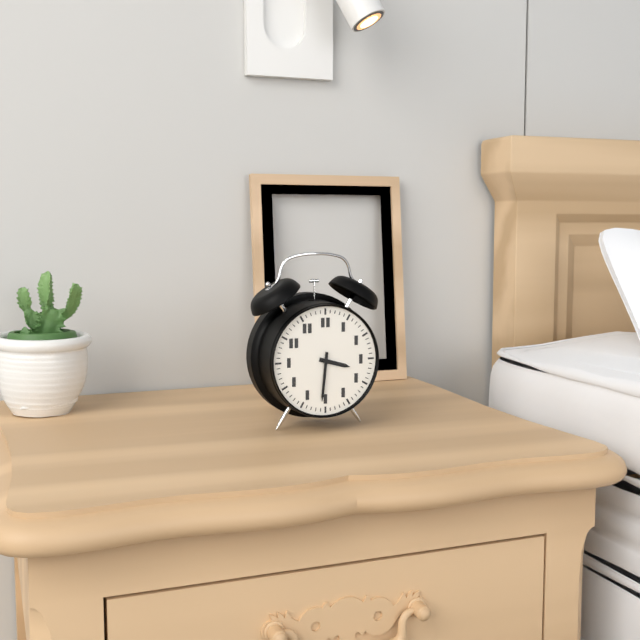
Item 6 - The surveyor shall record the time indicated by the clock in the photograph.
3:31
